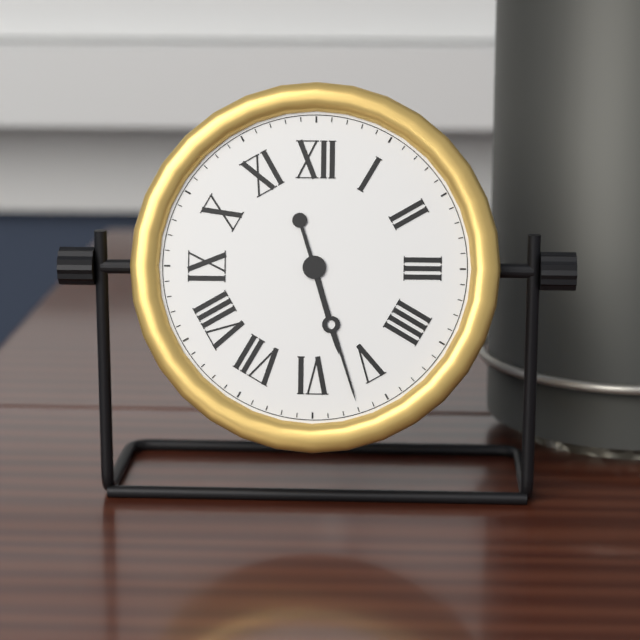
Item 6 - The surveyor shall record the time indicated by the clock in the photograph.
5:27
